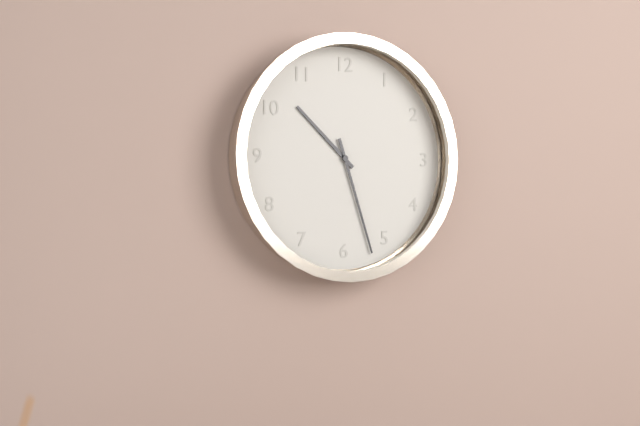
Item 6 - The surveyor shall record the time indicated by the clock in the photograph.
10:27
